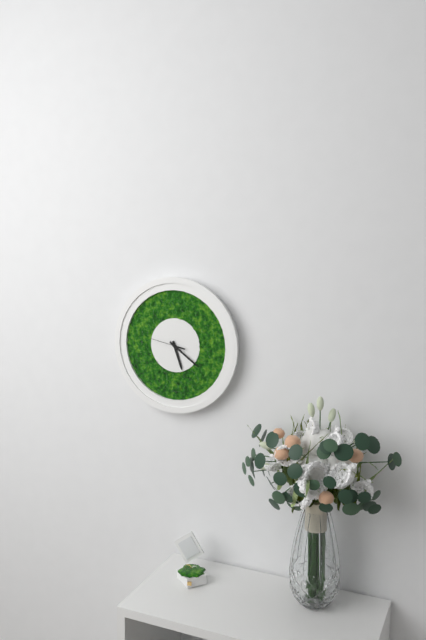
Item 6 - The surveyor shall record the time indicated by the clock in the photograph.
5:21
